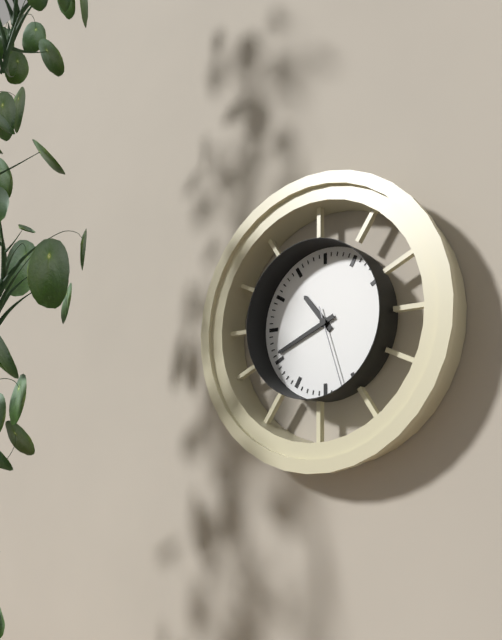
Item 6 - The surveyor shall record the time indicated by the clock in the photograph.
10:41:27
